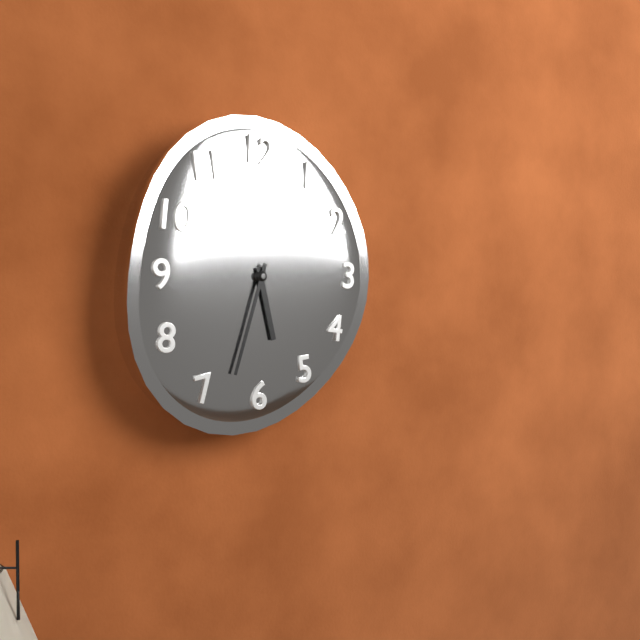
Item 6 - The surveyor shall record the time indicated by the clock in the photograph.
5:33
